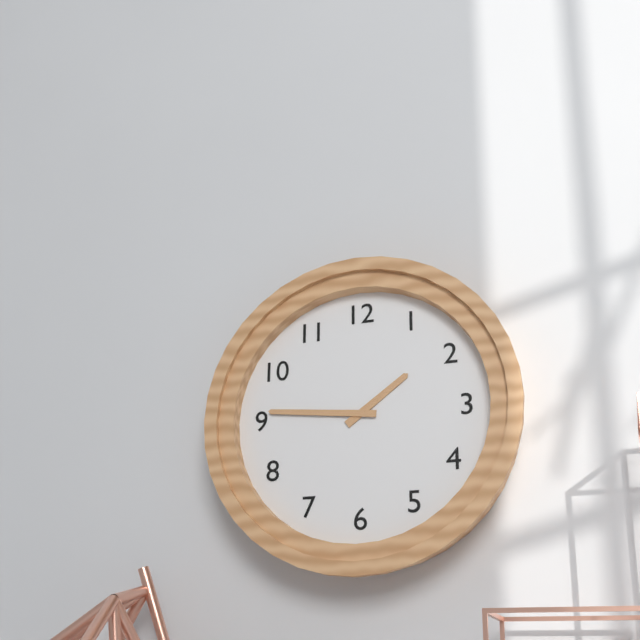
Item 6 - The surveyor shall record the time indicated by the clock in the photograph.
1:46
